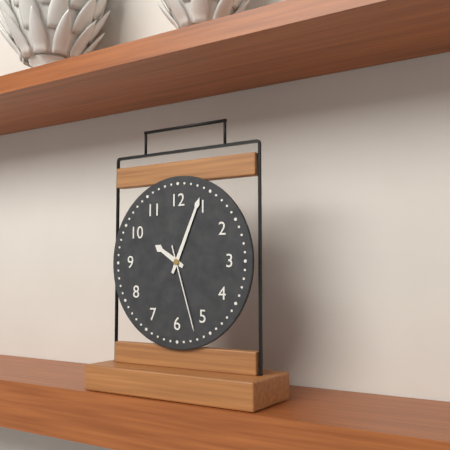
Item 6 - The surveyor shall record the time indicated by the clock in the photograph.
10:04:27
